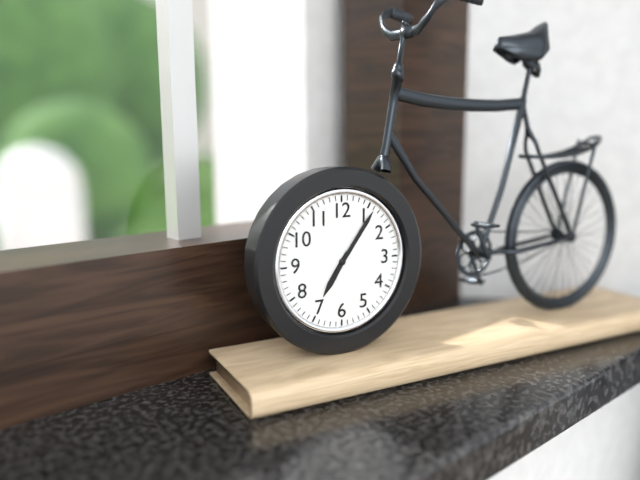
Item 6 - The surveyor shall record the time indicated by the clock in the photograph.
7:06
